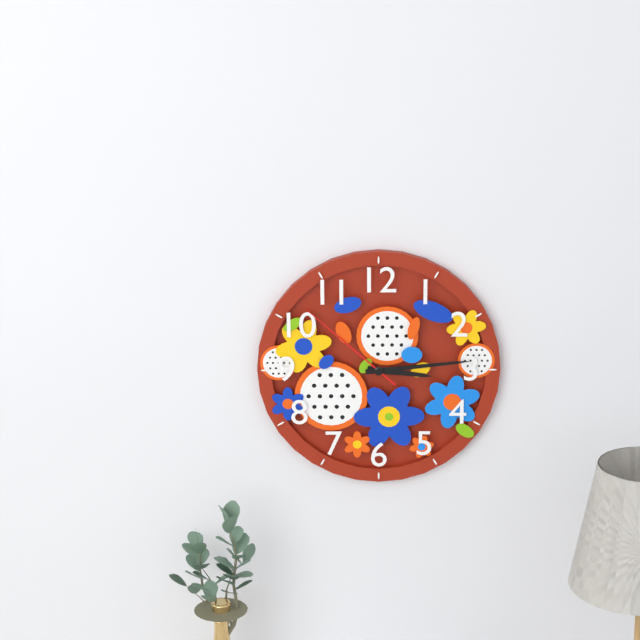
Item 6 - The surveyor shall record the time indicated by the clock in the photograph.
3:14:52
